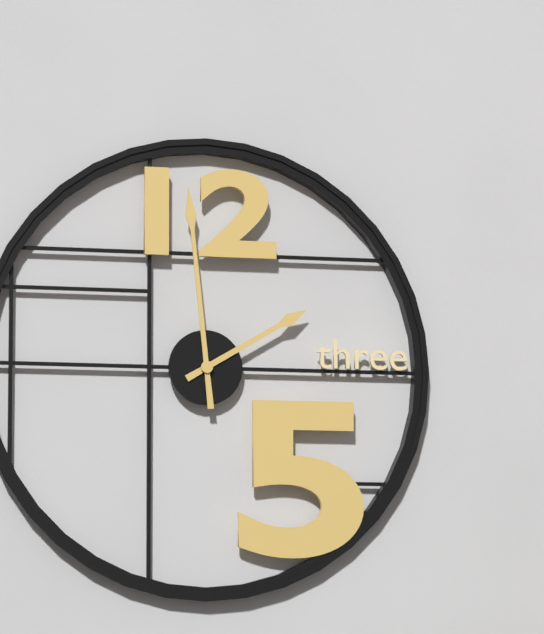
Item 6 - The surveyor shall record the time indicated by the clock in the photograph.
1:59
